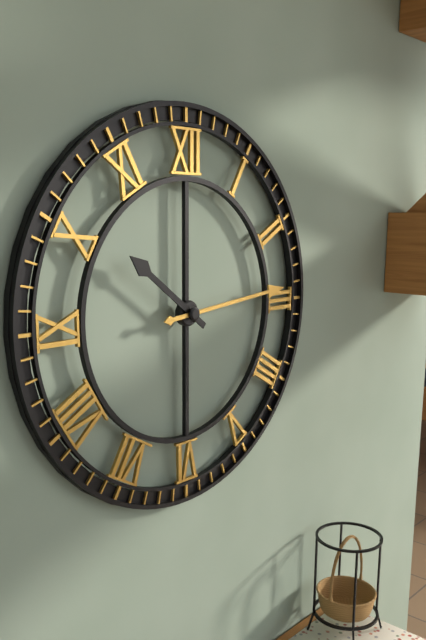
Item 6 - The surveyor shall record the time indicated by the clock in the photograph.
10:14
